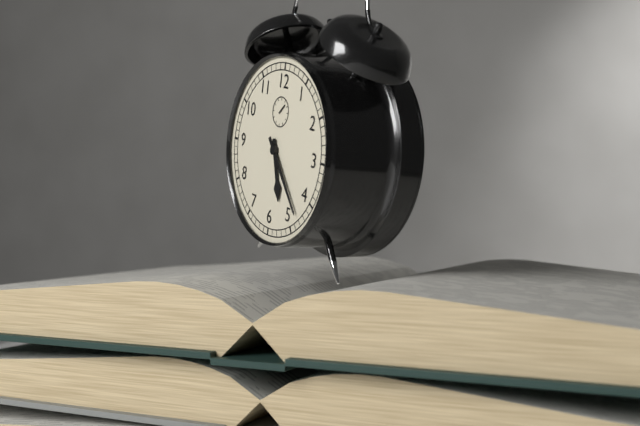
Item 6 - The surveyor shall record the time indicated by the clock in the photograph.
5:23
